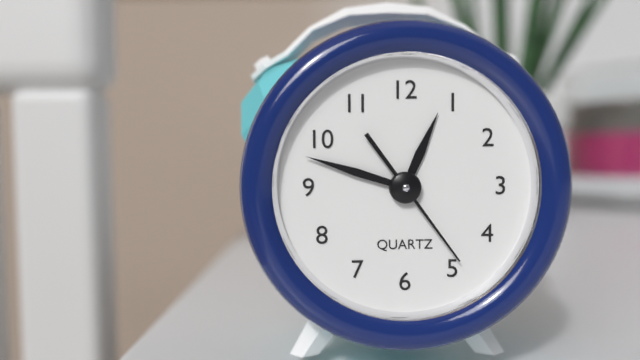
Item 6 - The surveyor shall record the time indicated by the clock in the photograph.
12:48:24
